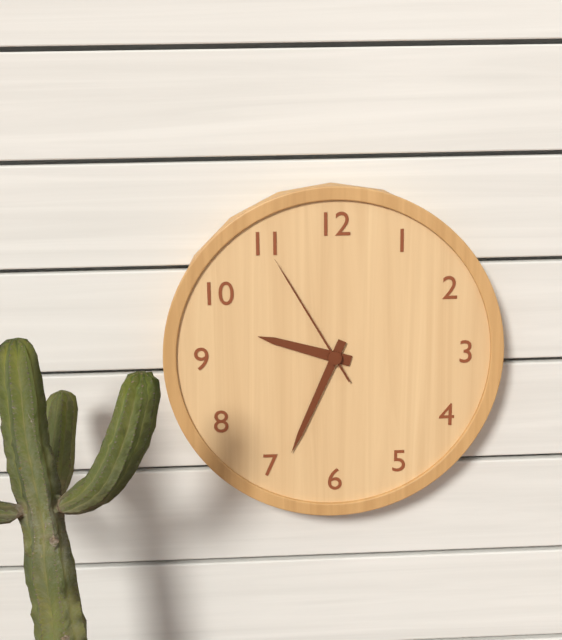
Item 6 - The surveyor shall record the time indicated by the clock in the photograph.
9:34:55
